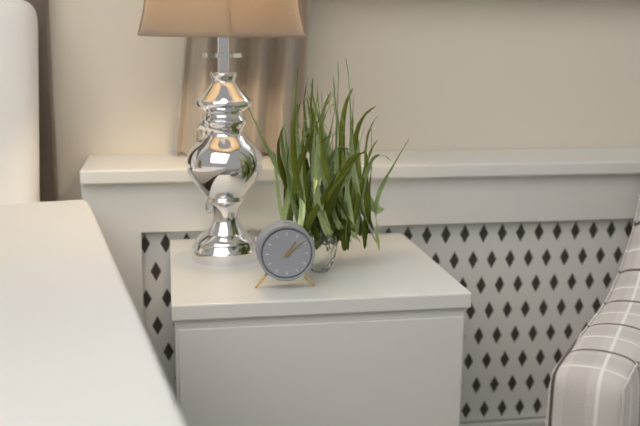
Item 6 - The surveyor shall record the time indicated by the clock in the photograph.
1:09
